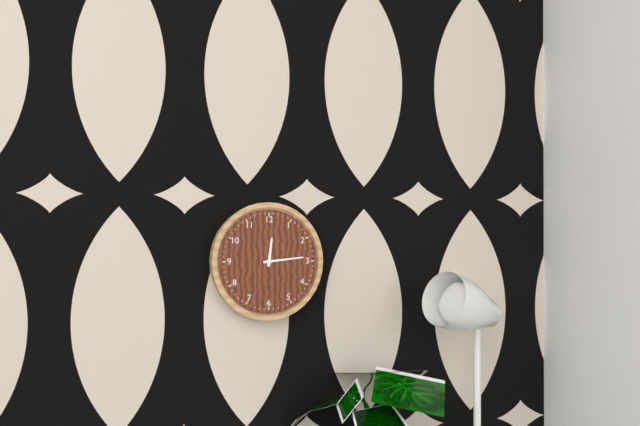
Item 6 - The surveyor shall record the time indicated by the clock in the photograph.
12:14
